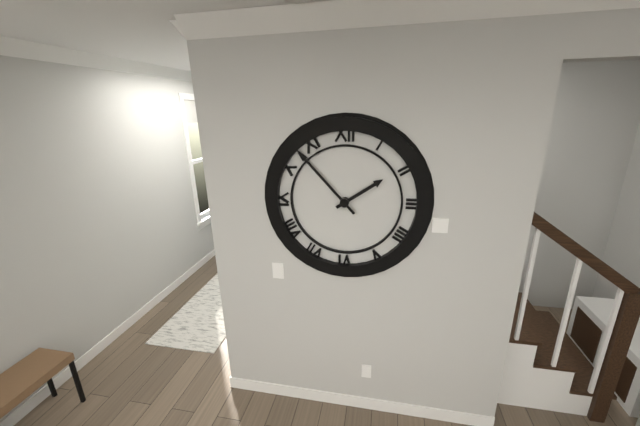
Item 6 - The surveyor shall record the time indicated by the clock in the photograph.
1:53
